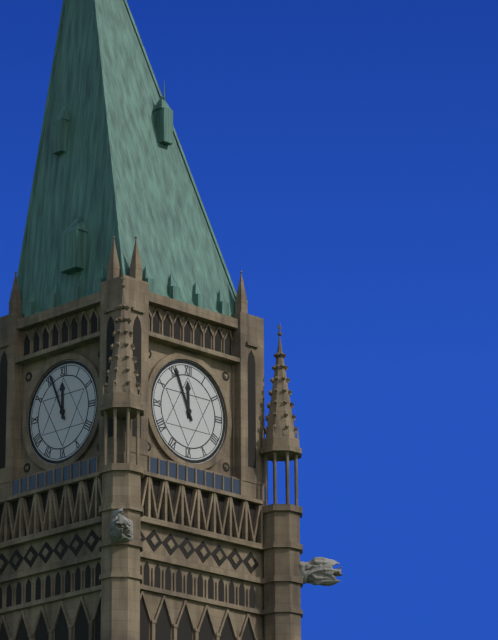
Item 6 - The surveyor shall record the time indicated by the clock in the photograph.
11:56
